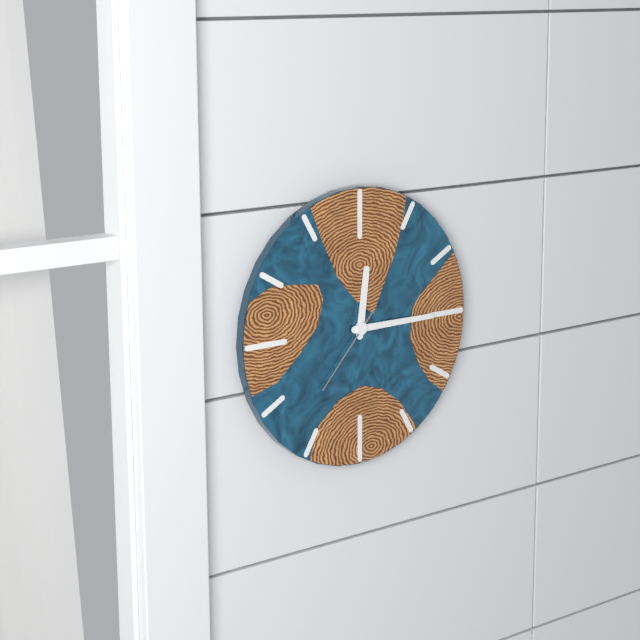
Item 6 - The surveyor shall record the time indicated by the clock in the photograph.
12:15:37
